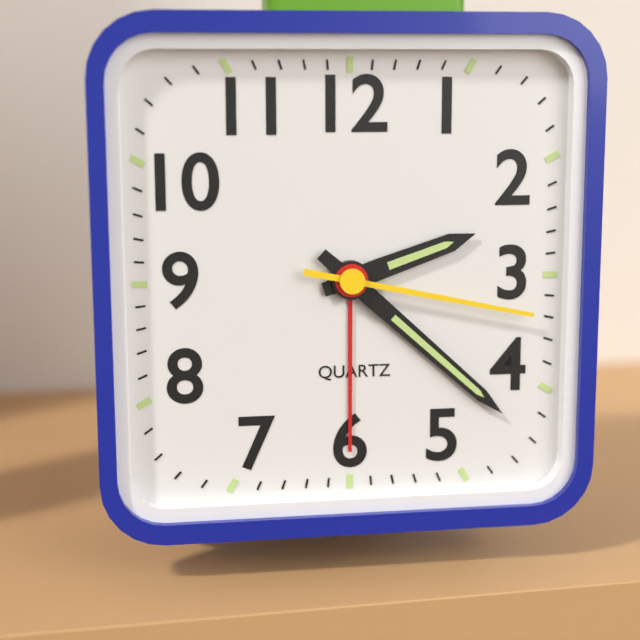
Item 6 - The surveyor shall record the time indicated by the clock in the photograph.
2:22:17
